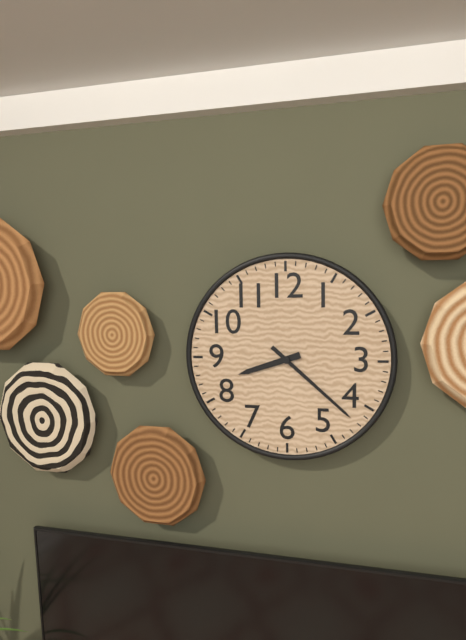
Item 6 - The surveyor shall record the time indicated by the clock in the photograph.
8:22
